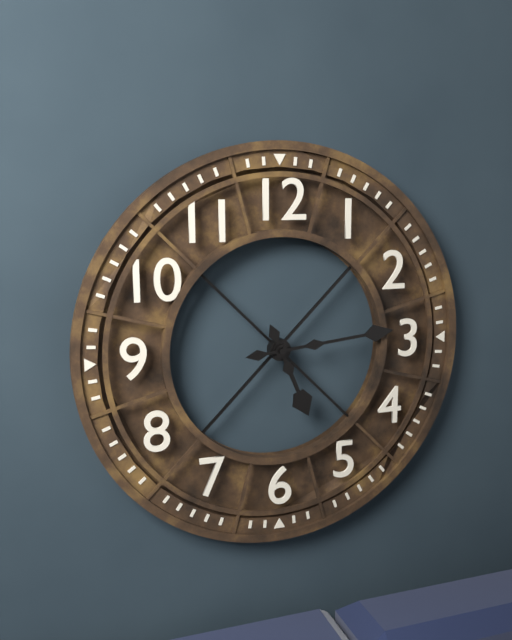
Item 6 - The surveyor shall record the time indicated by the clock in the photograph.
5:14
